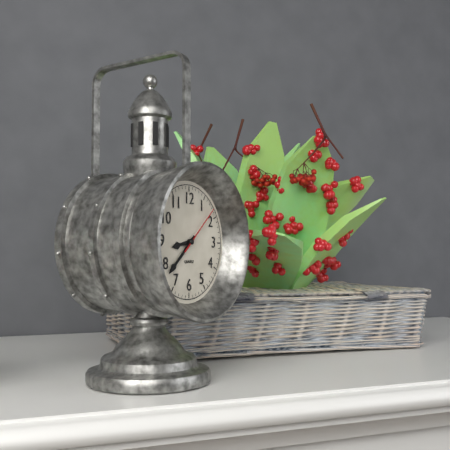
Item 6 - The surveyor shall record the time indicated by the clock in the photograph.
8:38:08
